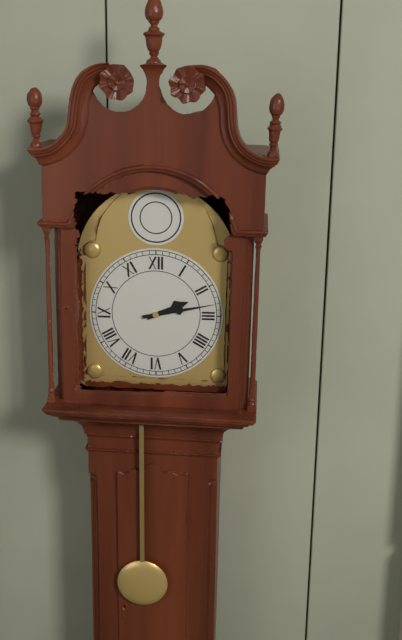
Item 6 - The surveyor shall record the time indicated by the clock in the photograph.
2:13
